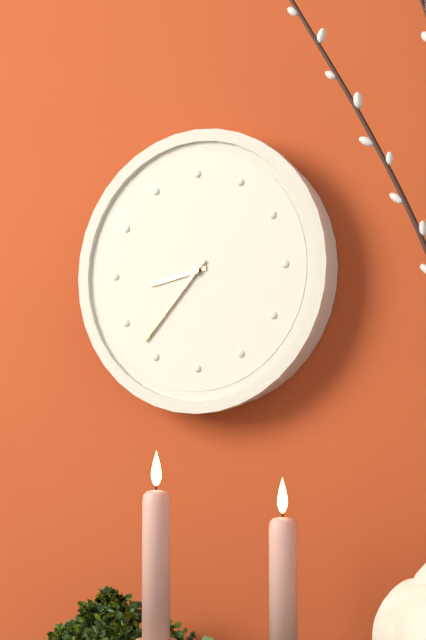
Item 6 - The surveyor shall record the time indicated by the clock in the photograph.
8:37
